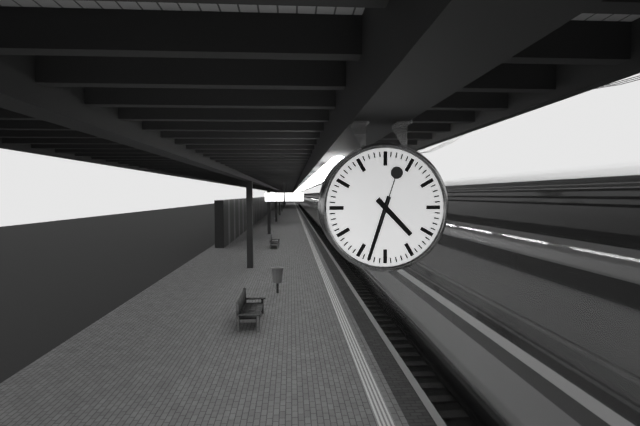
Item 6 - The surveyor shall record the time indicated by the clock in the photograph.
4:33:03
